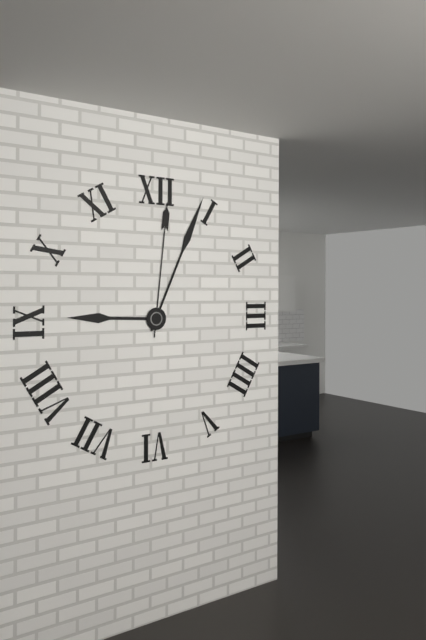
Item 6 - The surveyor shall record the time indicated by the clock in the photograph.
9:04:01
